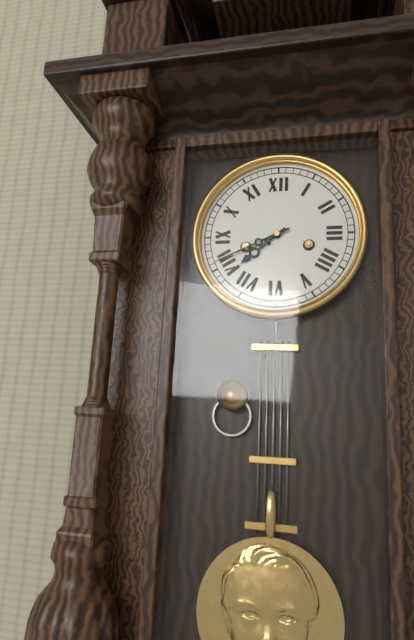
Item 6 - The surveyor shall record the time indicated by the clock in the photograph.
7:41
